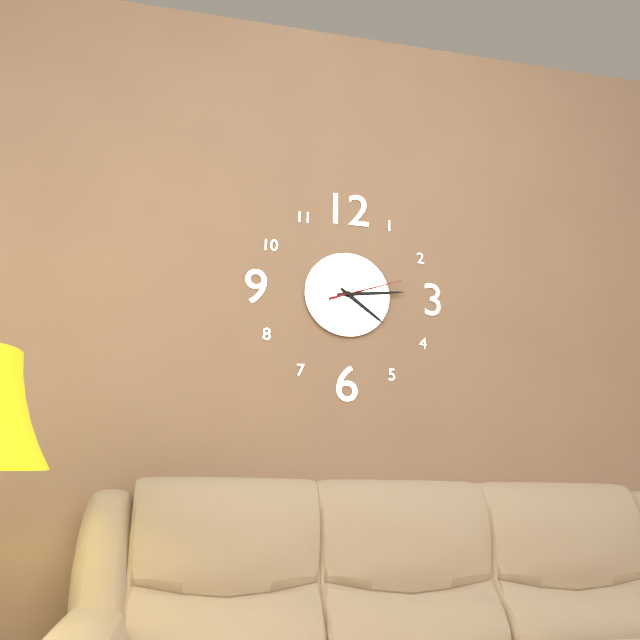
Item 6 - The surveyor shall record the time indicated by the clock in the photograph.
4:14:12
